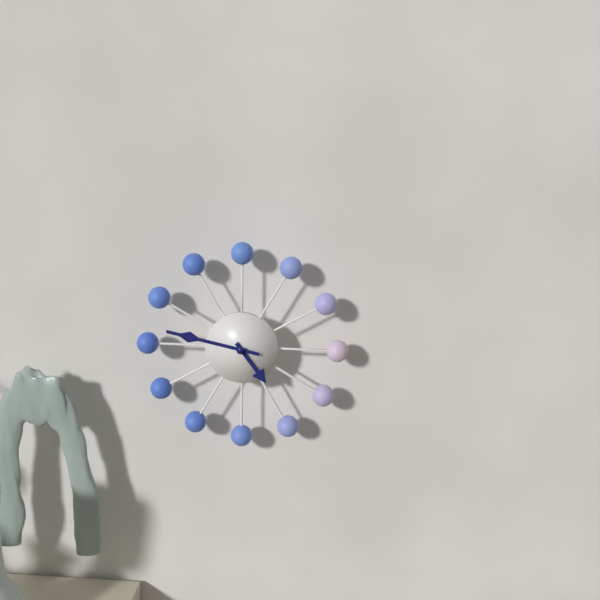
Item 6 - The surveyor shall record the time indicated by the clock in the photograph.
4:47
